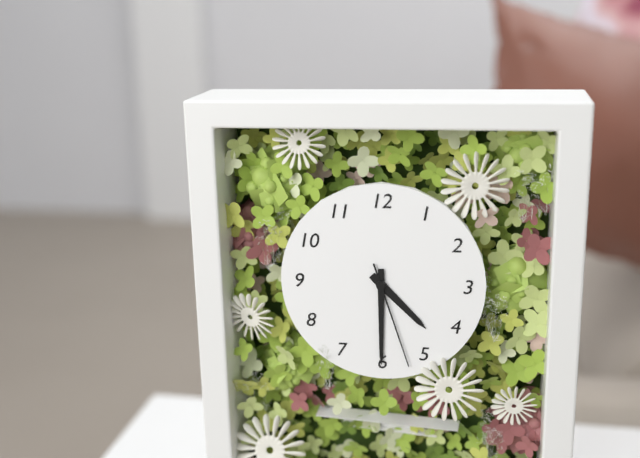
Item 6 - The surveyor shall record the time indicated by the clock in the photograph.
4:30:27
